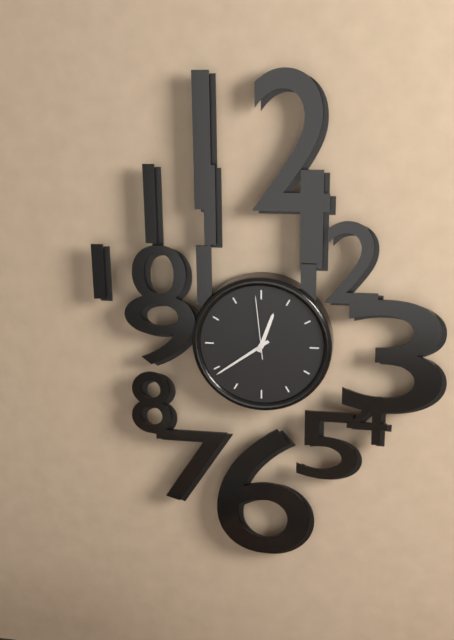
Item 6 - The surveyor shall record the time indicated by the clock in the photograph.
12:39:59
